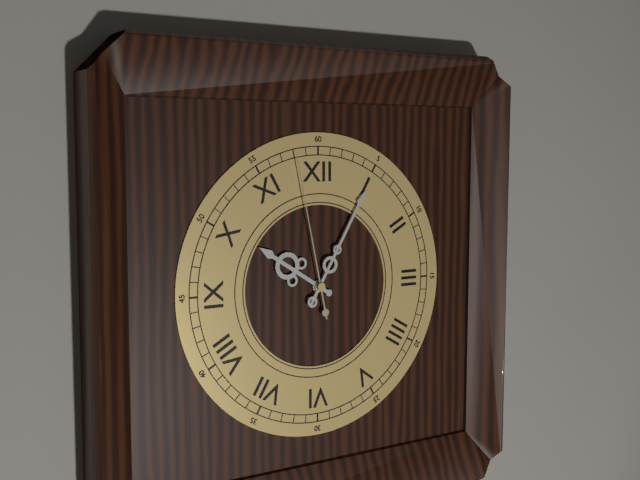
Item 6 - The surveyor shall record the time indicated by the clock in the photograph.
10:05:58
